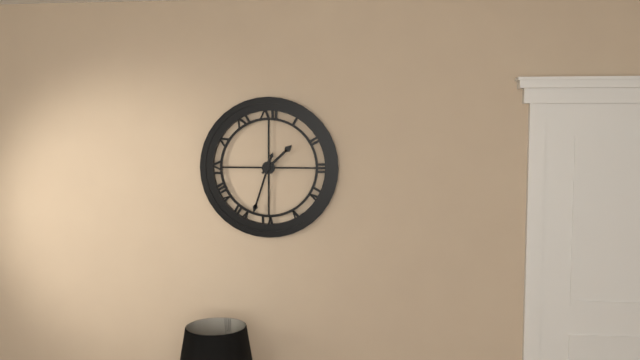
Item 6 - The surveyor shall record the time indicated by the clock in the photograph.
1:33
